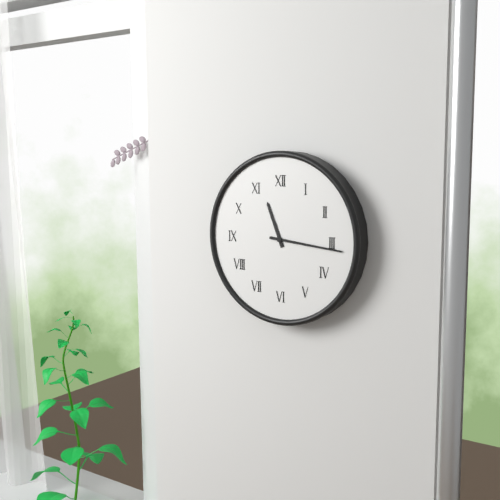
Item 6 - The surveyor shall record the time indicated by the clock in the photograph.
11:16
